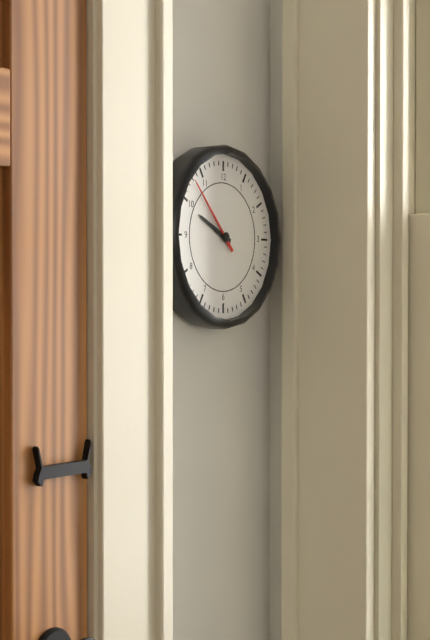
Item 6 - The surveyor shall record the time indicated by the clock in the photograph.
9:53
